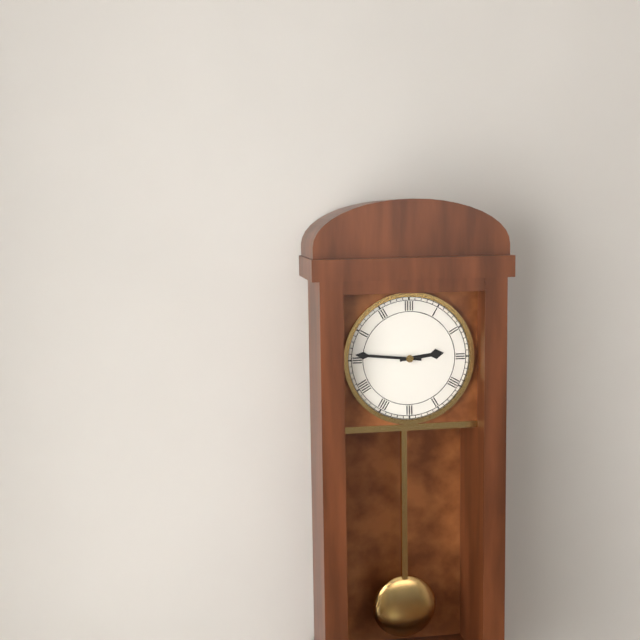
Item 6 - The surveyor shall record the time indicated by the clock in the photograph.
2:46
